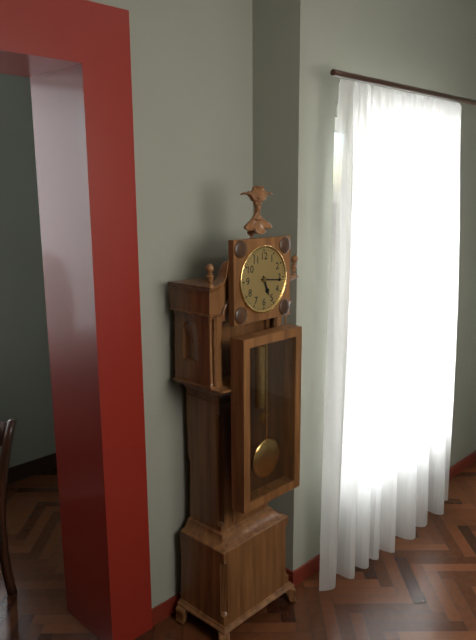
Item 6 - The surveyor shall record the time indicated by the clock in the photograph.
5:16
